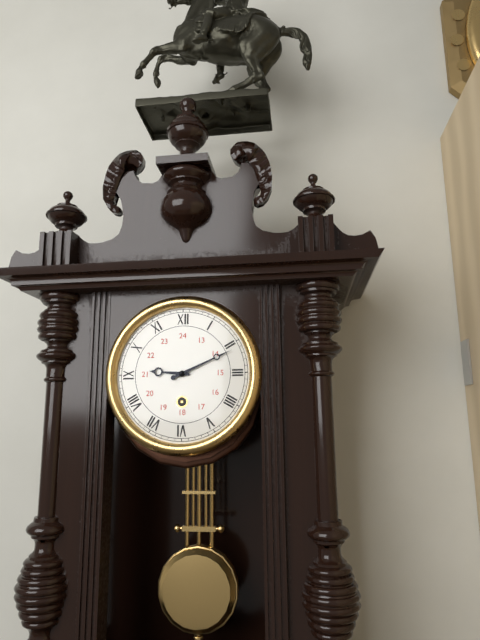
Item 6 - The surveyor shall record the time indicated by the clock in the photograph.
9:11
